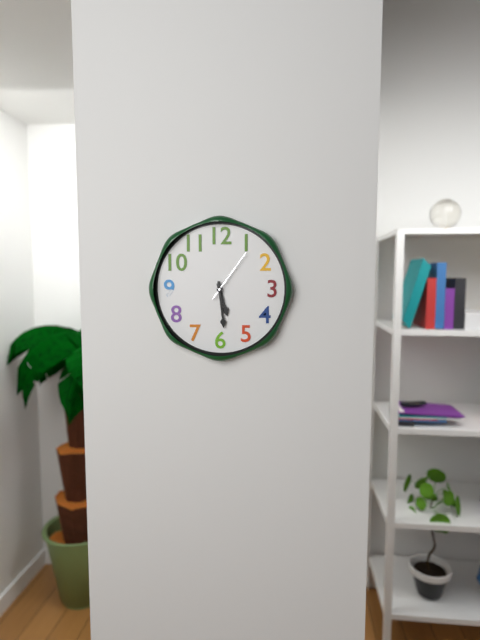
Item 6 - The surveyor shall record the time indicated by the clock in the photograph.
5:29:06
